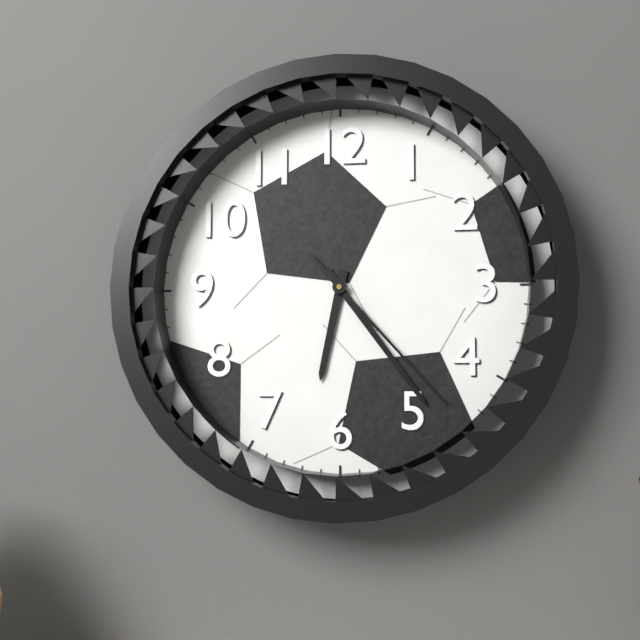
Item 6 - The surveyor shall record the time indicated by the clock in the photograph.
6:24:23
